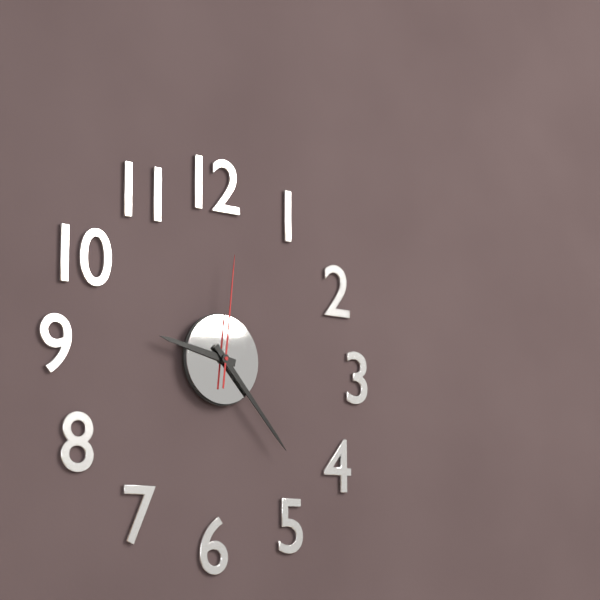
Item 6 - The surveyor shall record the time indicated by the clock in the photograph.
9:23:01
